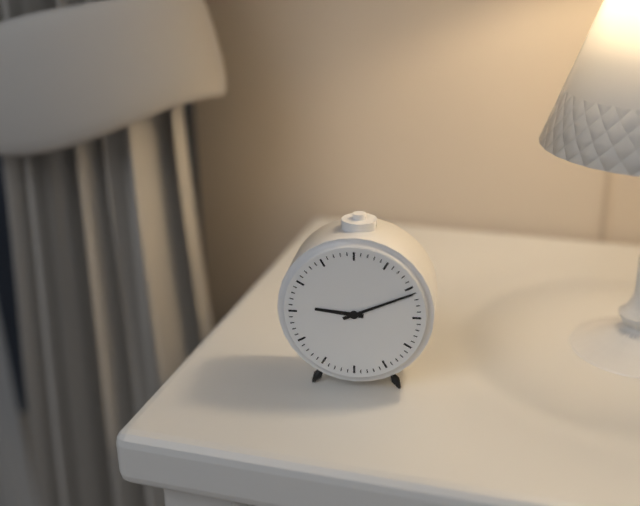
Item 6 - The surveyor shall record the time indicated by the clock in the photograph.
9:11
